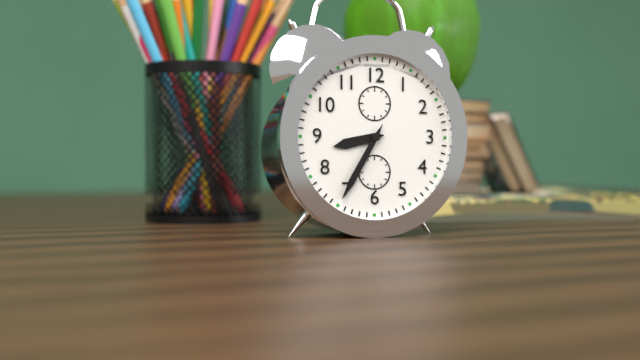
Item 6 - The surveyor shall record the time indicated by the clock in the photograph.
8:35
